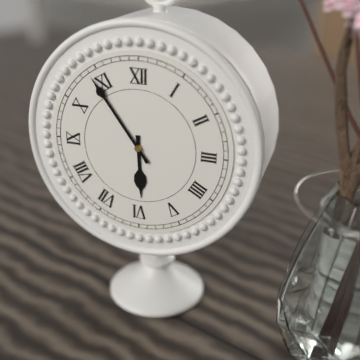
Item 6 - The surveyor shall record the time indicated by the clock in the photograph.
5:54
